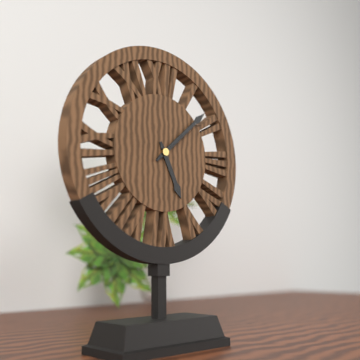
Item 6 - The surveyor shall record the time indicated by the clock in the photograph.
5:08
